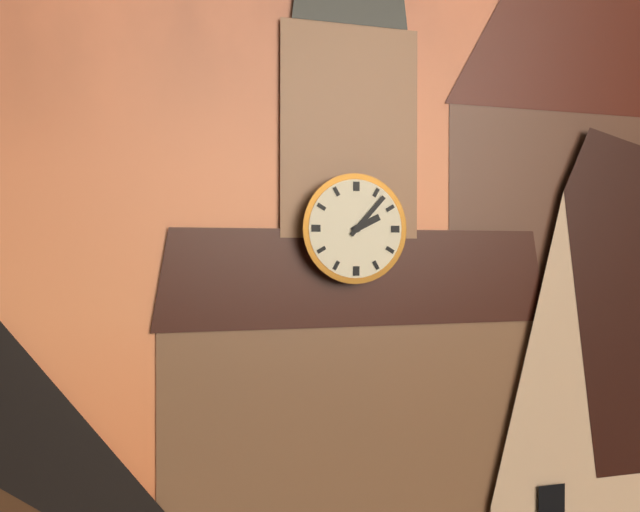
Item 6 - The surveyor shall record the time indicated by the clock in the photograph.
2:07
